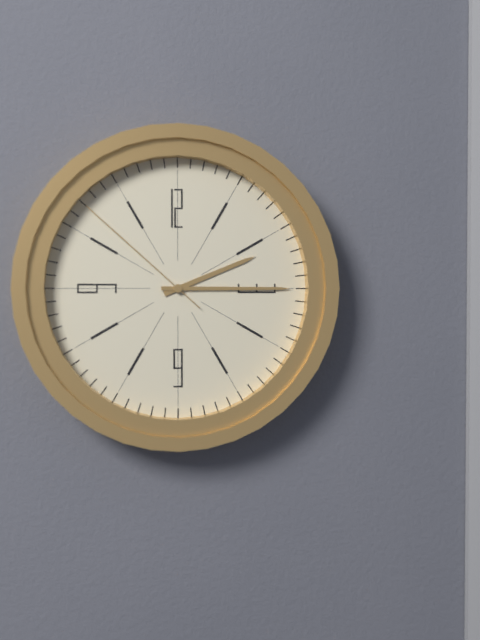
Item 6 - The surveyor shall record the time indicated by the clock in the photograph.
2:15:52
